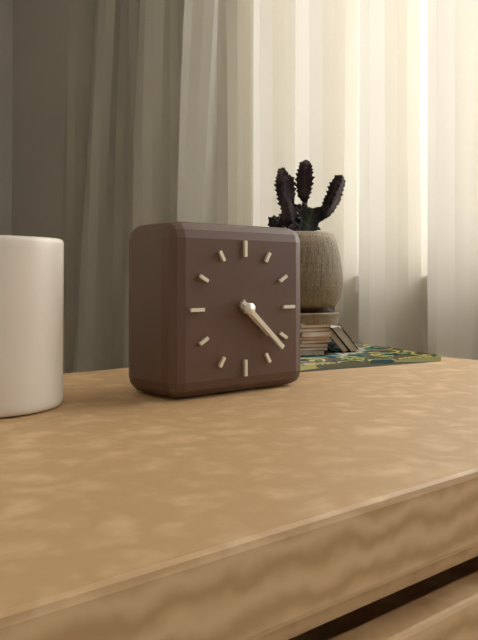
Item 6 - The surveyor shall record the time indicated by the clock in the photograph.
4:22
